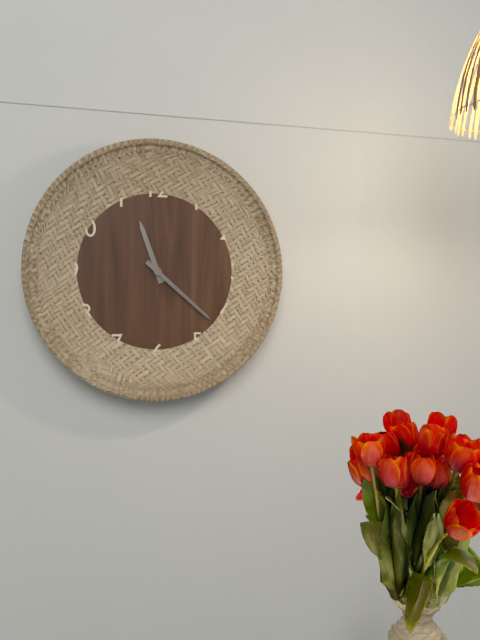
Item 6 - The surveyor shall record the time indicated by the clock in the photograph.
11:22
